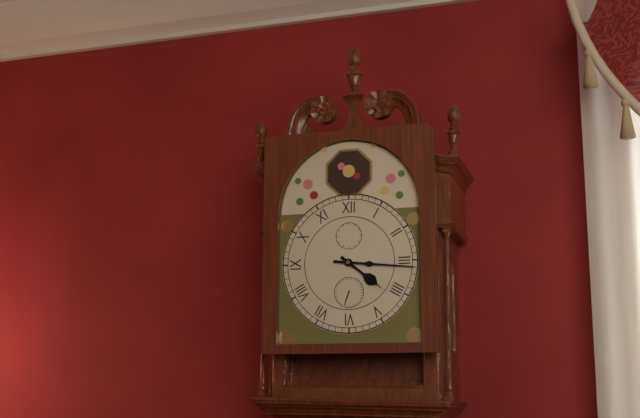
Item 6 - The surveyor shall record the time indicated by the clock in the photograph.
4:16
